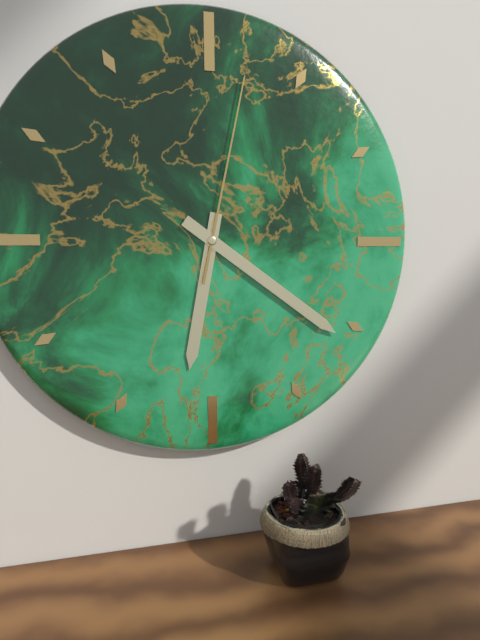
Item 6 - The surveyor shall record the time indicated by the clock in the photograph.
6:21:02
